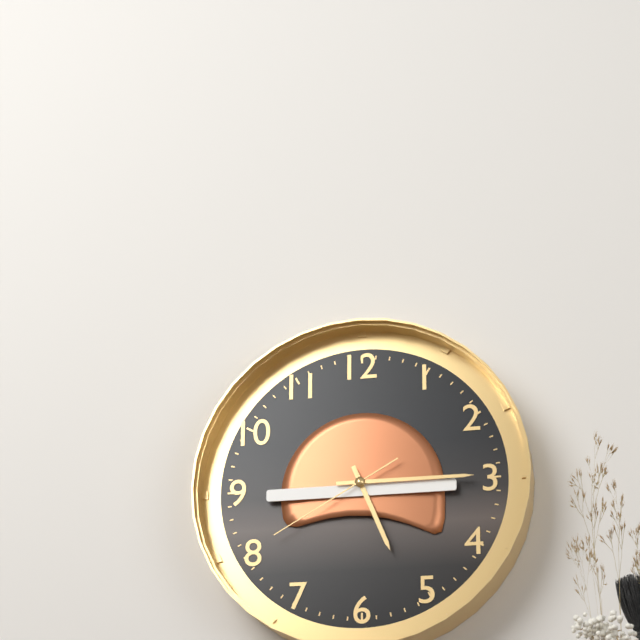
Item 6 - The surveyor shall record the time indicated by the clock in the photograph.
5:15:40
